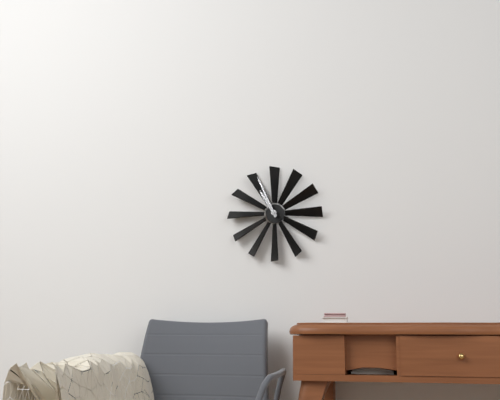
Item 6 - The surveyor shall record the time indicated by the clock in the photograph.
10:56
